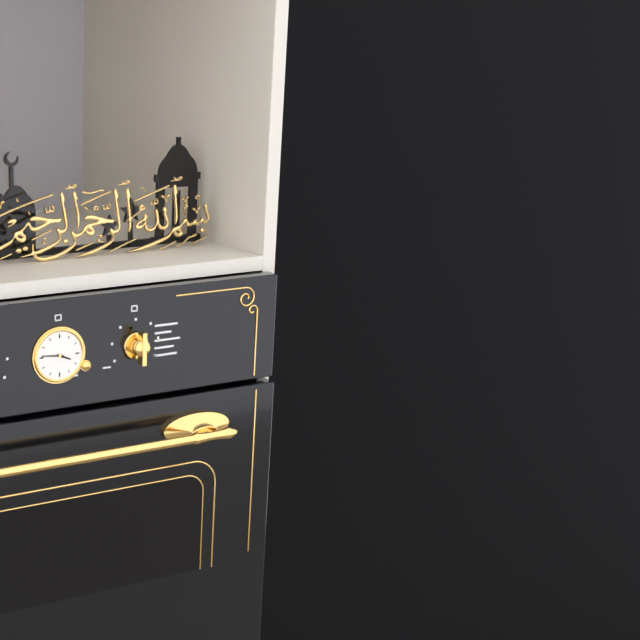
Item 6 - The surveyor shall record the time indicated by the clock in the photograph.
3:46
